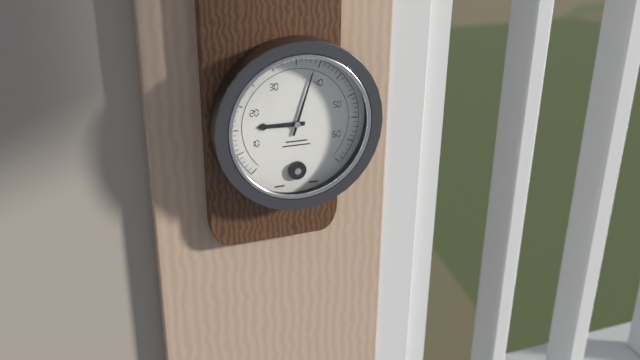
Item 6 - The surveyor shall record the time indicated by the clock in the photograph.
9:03
